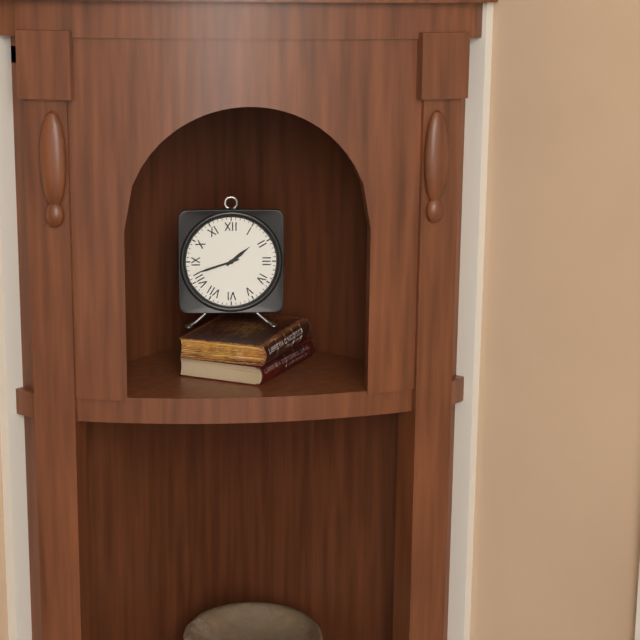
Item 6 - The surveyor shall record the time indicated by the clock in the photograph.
1:42
